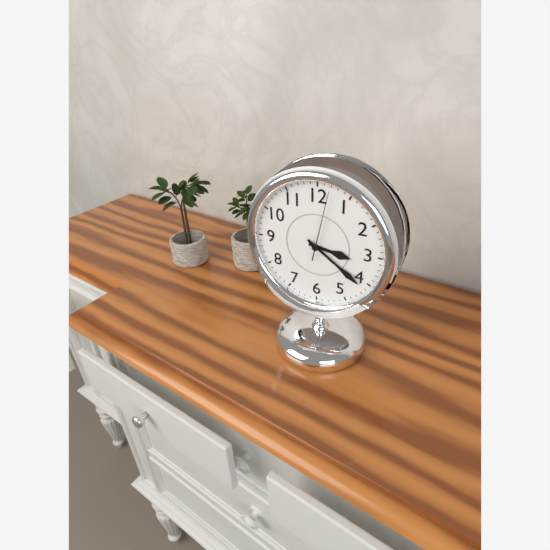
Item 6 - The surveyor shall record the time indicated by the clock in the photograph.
3:21:02
